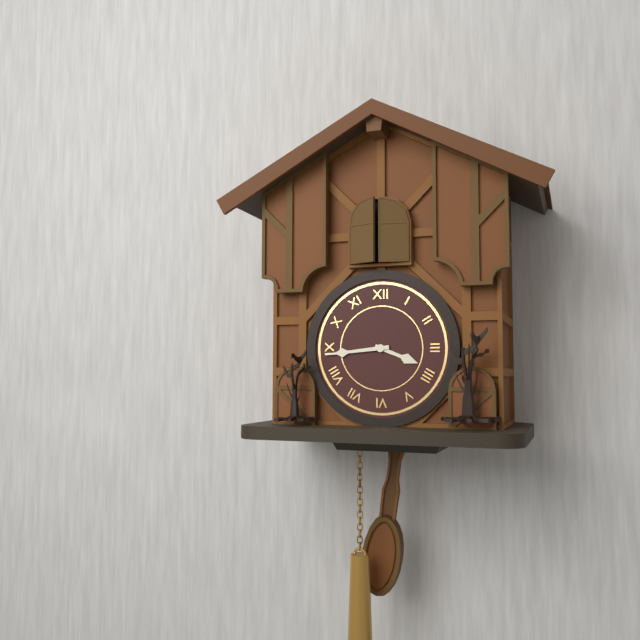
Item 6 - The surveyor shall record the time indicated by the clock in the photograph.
3:44
